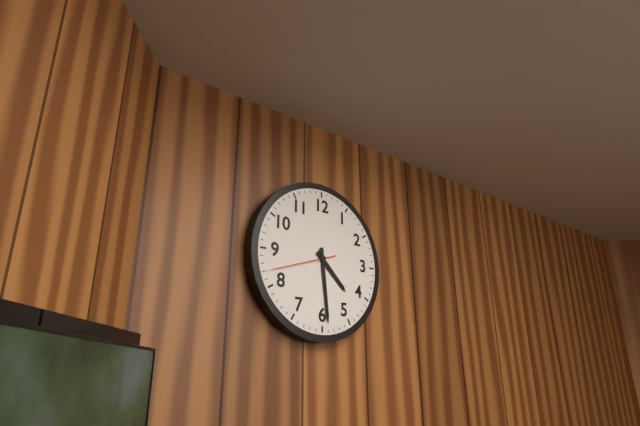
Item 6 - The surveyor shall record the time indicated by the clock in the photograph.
4:29:42
